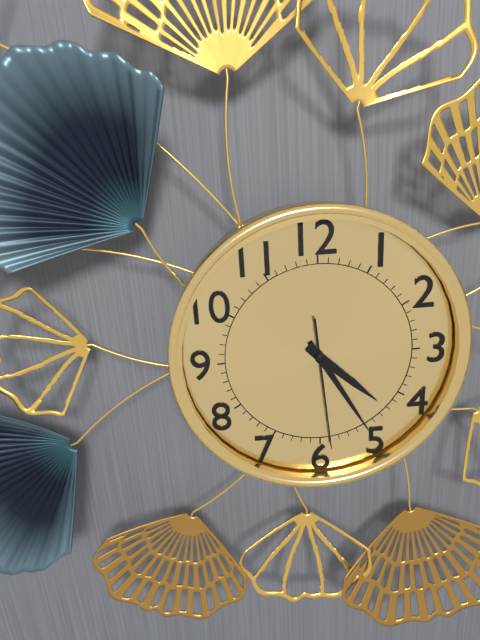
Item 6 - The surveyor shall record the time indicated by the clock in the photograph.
4:25:29
